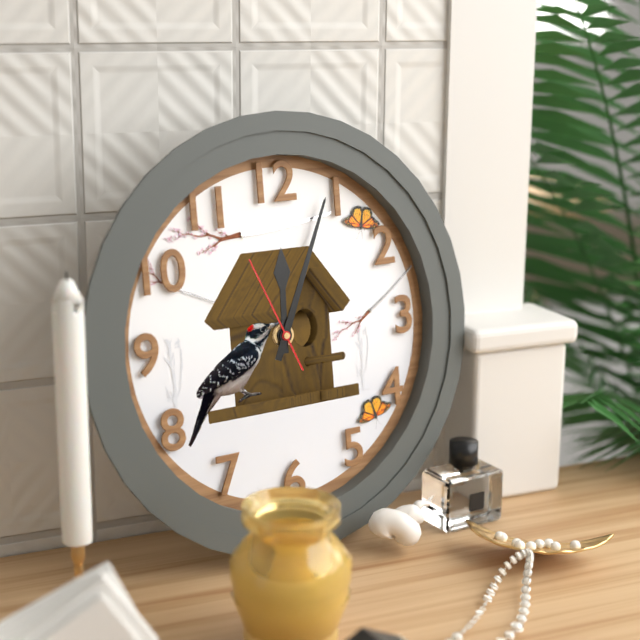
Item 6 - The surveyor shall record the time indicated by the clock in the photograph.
12:04:56
